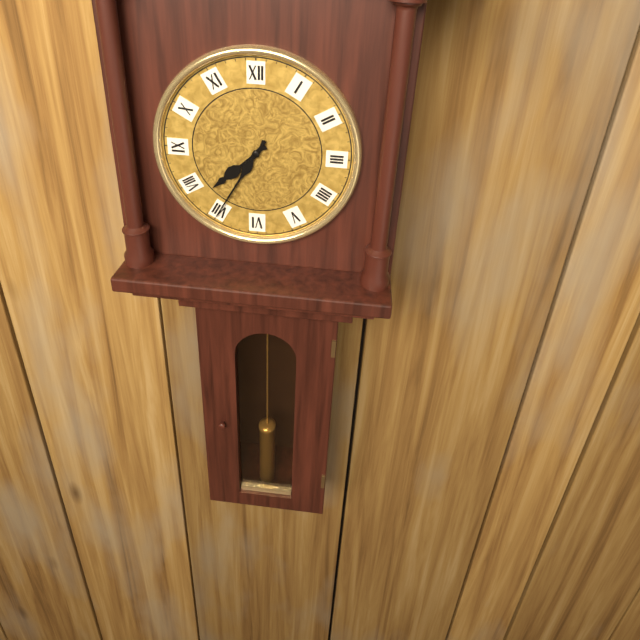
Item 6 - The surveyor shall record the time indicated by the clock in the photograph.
7:35
